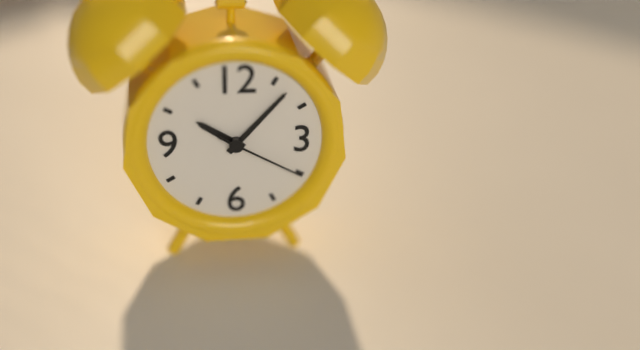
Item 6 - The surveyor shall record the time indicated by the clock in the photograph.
10:07:20
